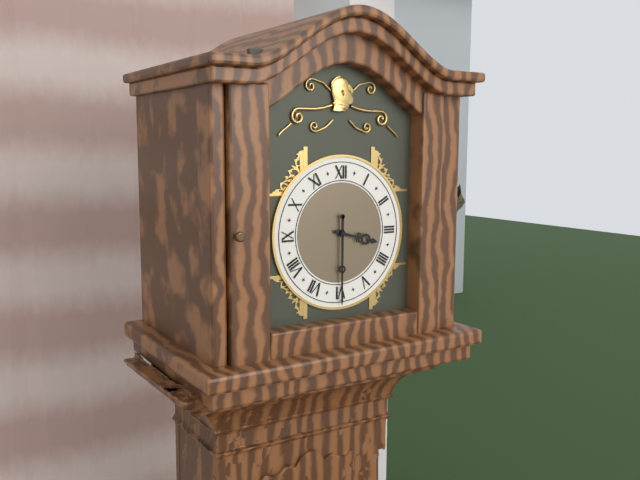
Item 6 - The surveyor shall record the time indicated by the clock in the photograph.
3:30
